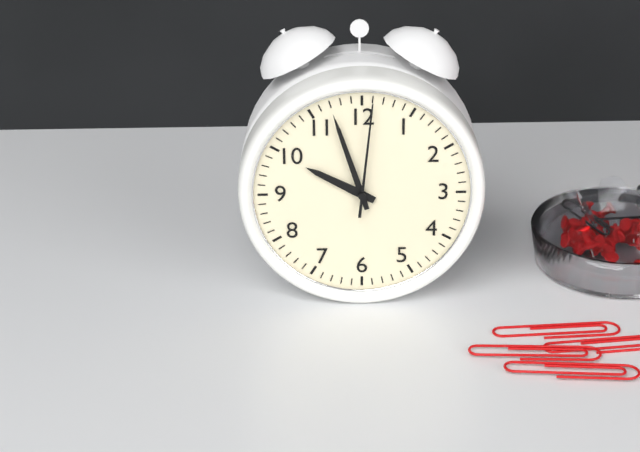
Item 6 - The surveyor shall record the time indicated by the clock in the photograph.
9:57:01
